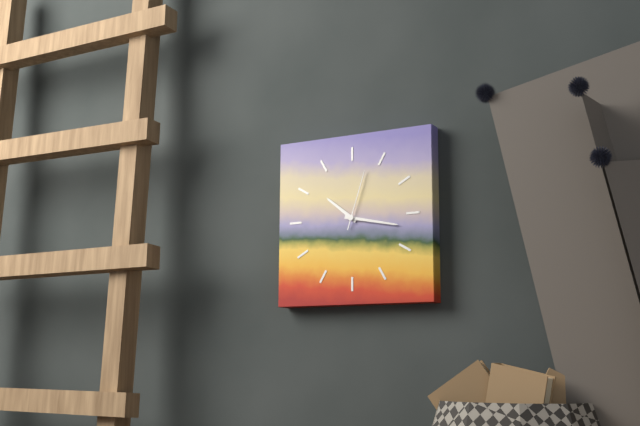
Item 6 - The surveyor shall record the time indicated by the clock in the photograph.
10:17:03
